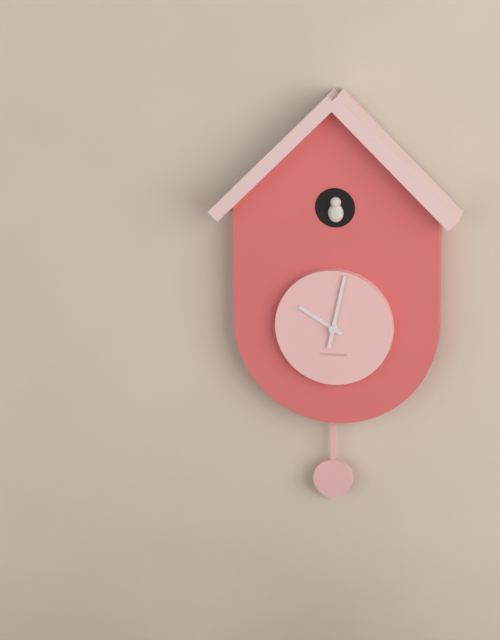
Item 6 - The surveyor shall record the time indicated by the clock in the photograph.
10:02
